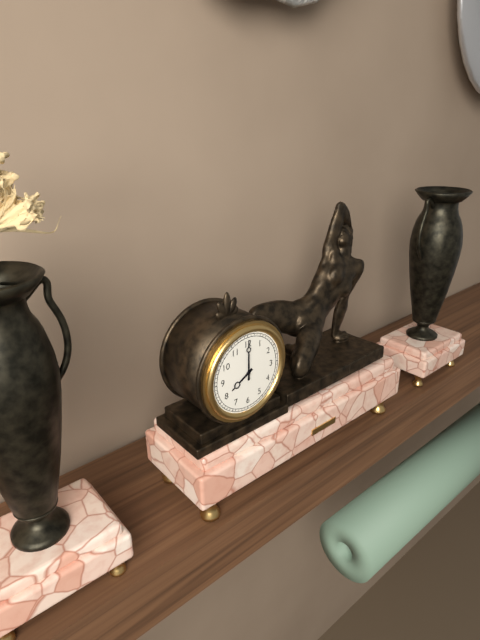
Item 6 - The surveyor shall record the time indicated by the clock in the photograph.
8:00
